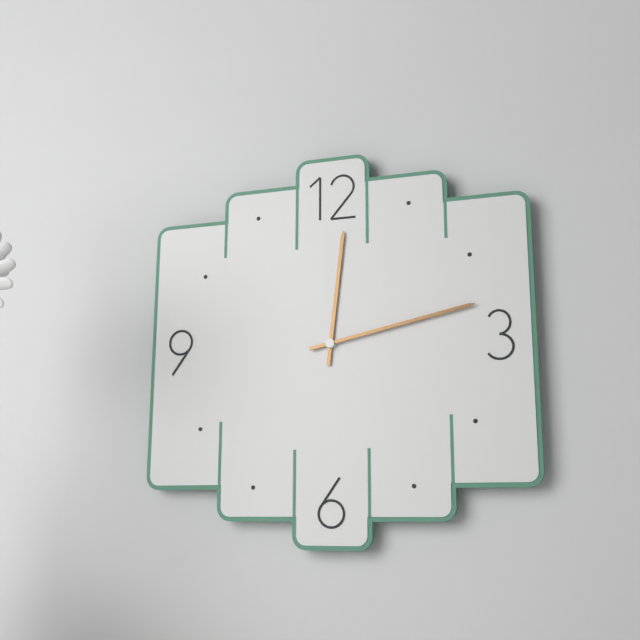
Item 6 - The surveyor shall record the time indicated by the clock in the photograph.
12:13
